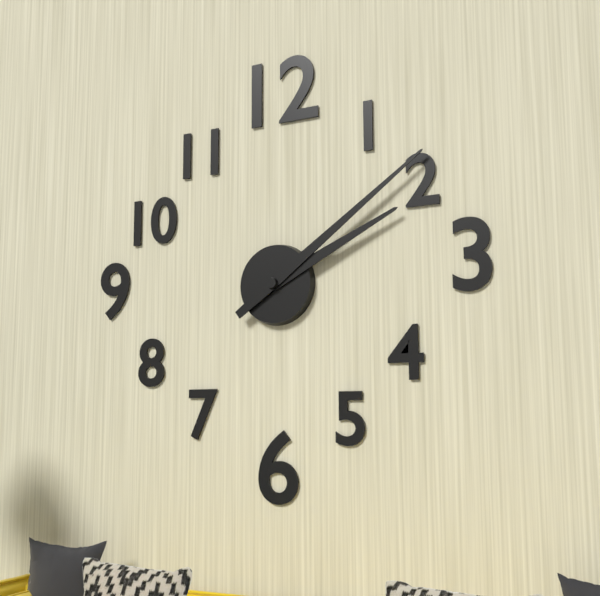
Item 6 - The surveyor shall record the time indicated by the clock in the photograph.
2:09
